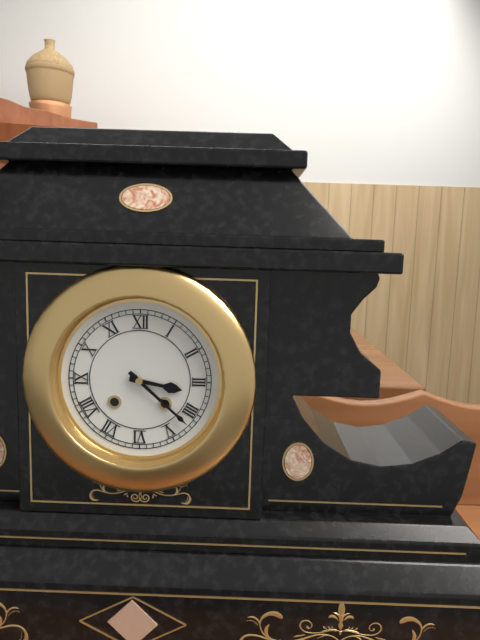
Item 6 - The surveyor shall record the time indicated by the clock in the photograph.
3:22
